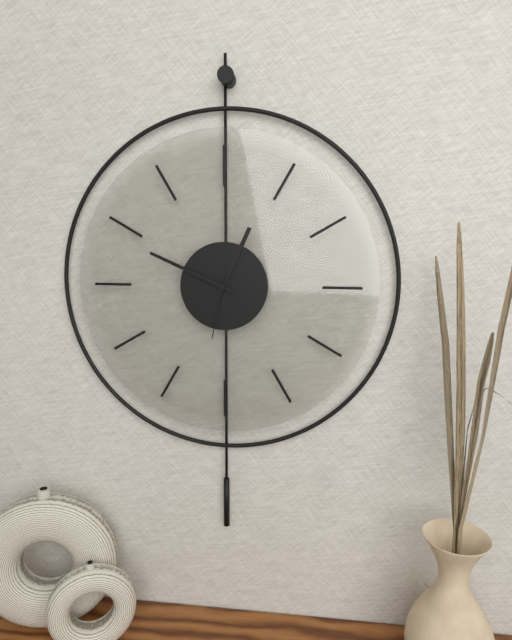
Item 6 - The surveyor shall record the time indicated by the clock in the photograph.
12:49:32
